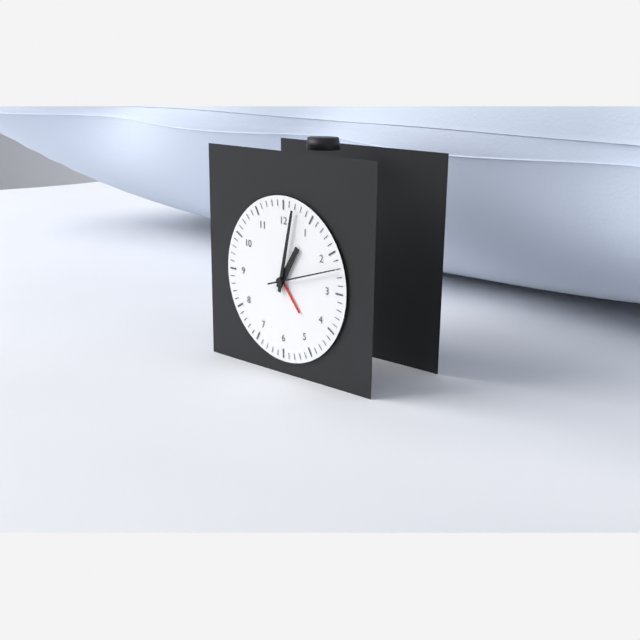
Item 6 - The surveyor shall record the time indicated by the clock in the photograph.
1:02:12
